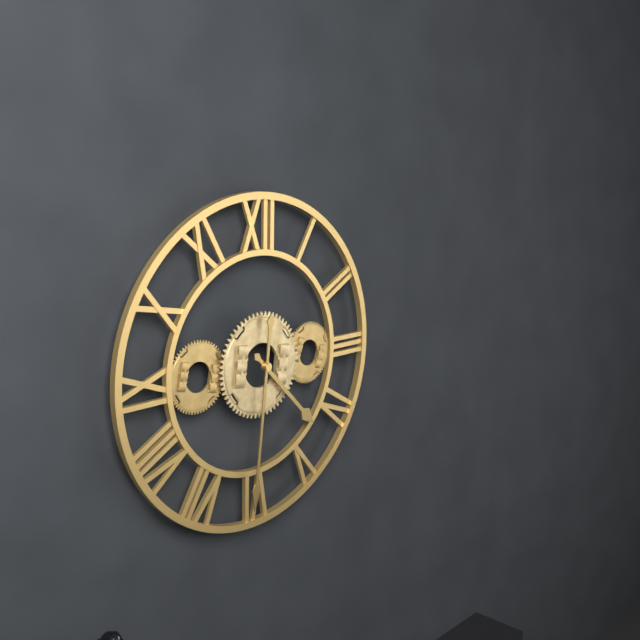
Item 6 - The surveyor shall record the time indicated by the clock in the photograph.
4:31
